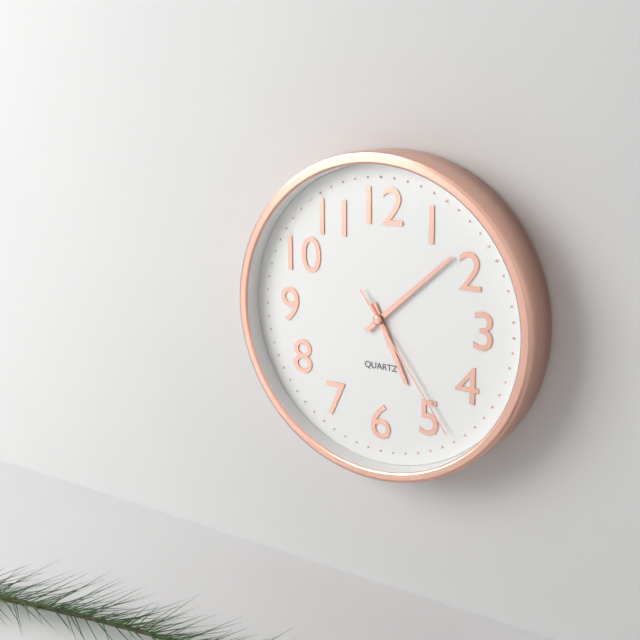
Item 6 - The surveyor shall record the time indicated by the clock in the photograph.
5:08:24
